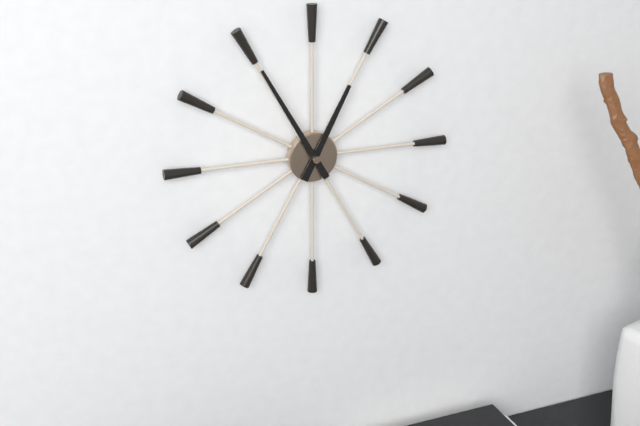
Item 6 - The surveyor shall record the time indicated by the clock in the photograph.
12:55
